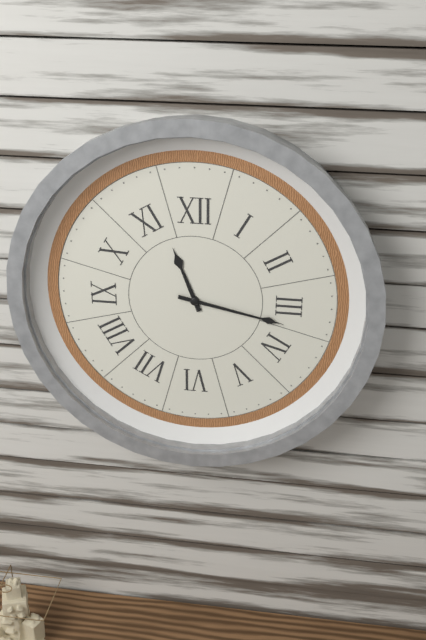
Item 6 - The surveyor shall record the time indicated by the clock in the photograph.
11:17
